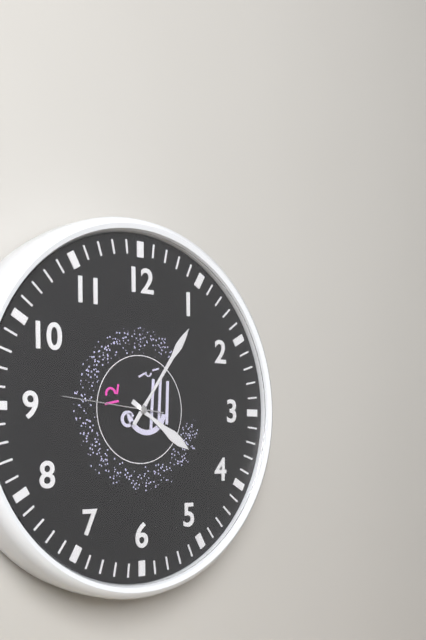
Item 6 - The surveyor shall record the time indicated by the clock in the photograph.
4:06:46
